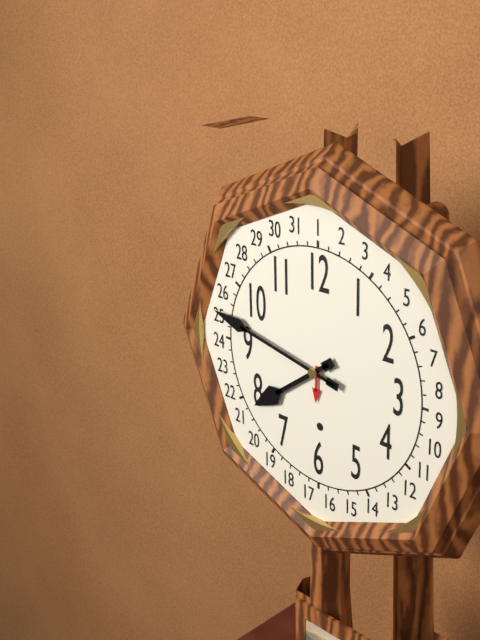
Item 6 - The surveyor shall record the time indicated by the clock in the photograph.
7:47
